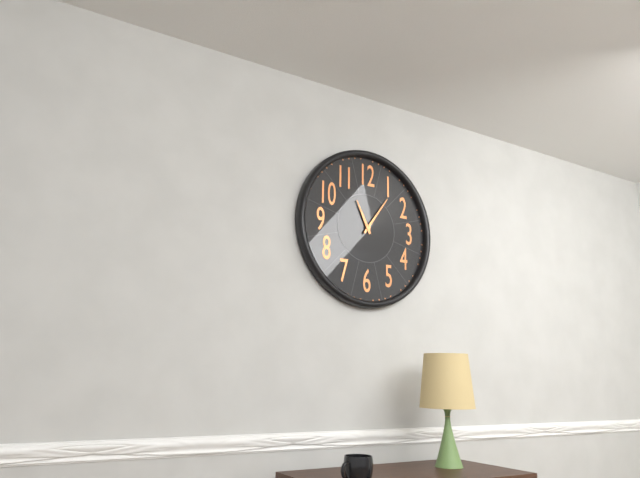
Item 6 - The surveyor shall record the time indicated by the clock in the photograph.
11:06
